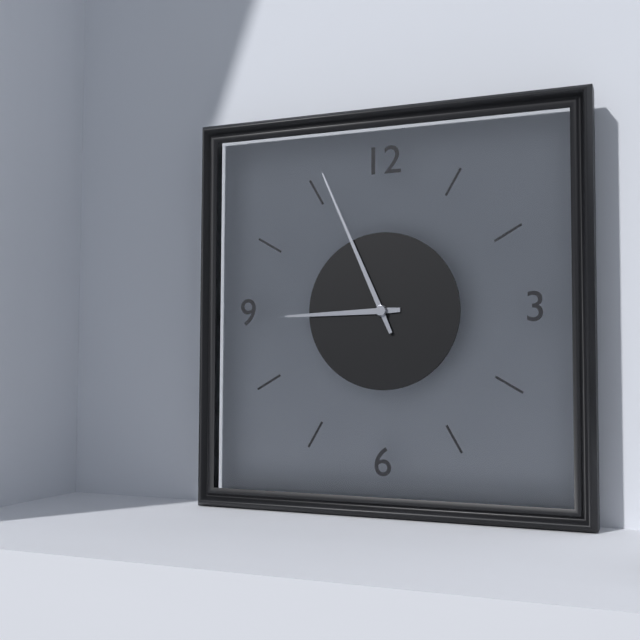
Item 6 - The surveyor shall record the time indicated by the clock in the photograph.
8:56
